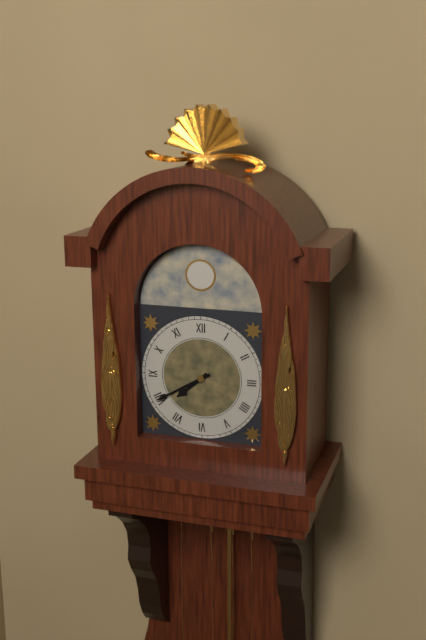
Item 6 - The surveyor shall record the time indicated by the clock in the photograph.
7:40
